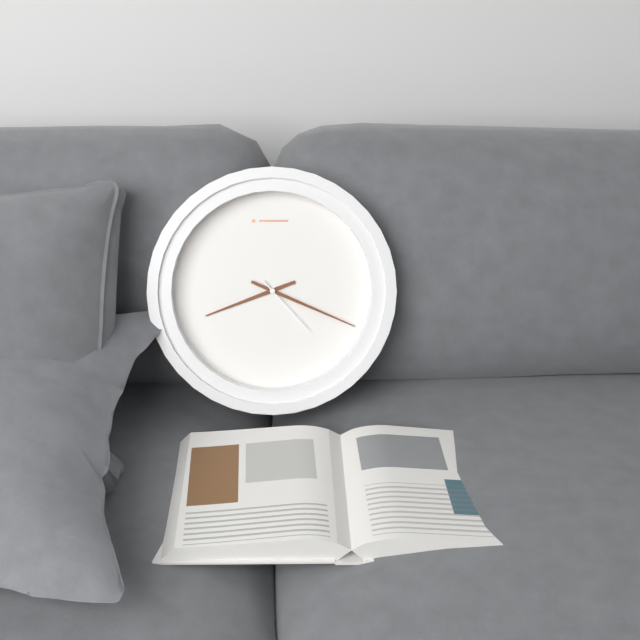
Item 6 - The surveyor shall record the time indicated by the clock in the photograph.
8:19:23
